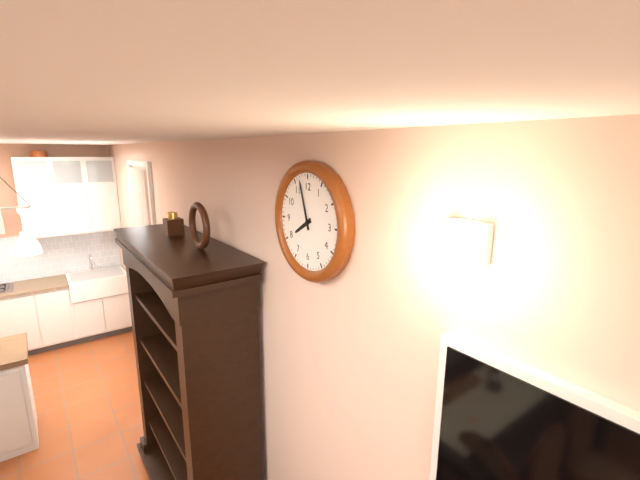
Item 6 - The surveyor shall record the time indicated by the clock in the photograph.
7:57
